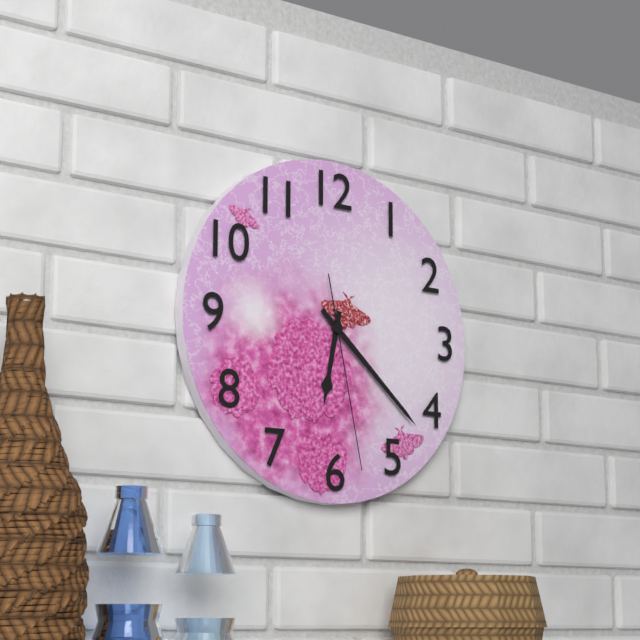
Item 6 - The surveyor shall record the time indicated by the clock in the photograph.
6:22:28
